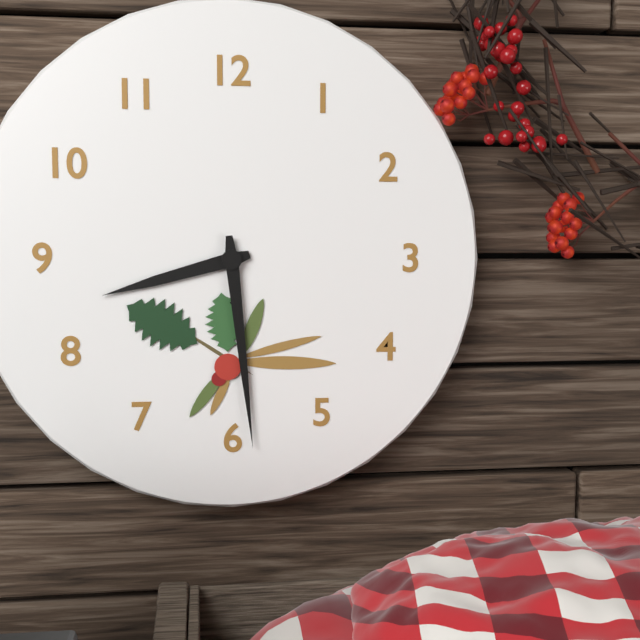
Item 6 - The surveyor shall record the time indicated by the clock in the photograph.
8:29
